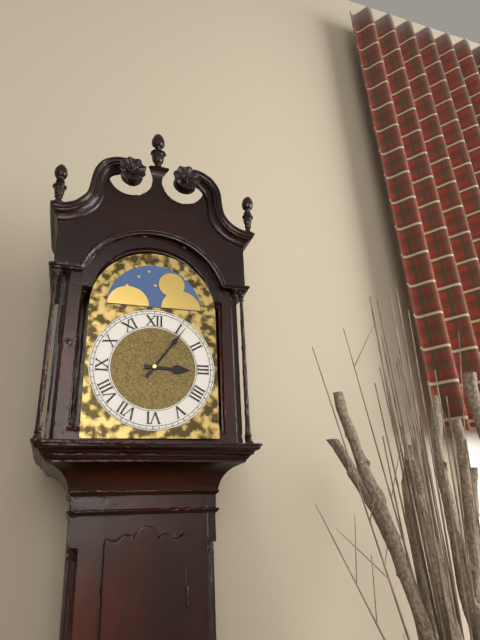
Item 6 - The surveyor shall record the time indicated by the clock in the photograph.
3:06
